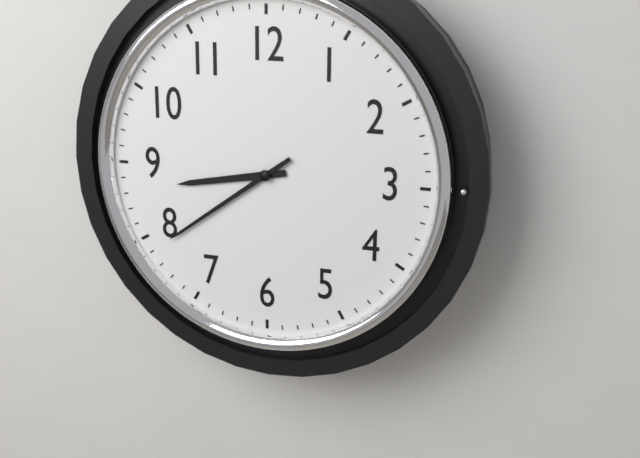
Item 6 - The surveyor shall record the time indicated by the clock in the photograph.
8:39
